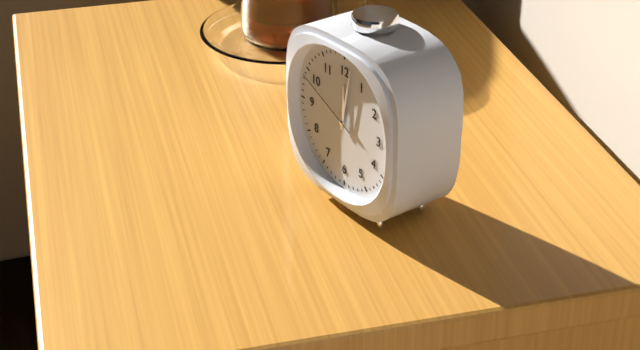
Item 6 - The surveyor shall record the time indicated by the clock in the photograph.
12:02:49
